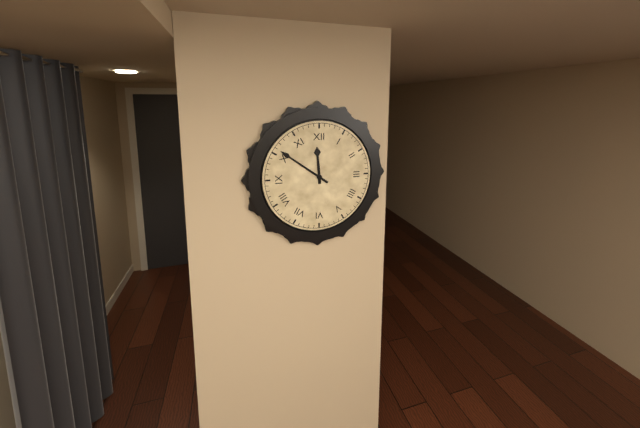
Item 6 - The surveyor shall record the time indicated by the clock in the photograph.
11:51
